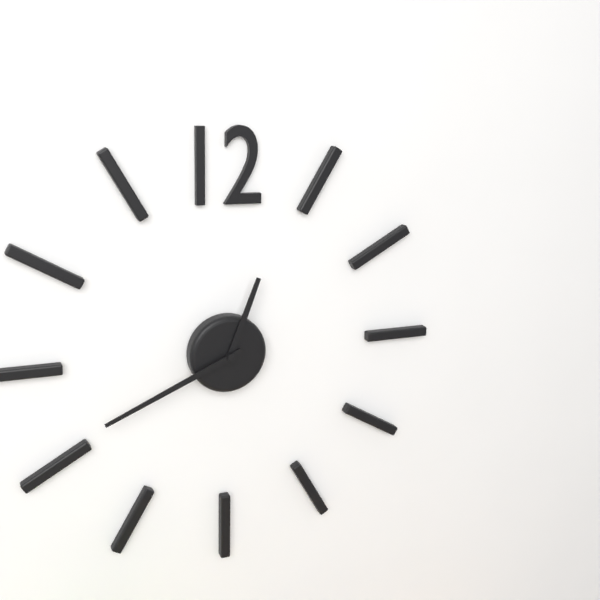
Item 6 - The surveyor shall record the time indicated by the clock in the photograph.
12:41
